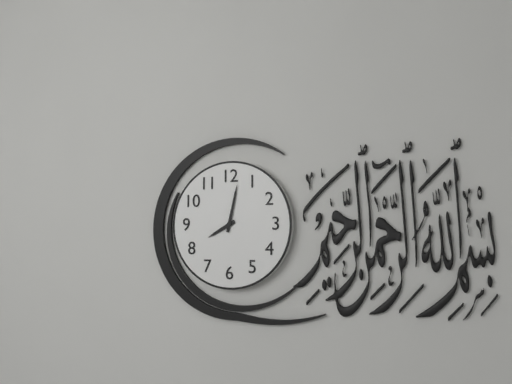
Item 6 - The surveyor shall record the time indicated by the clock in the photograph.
8:02
